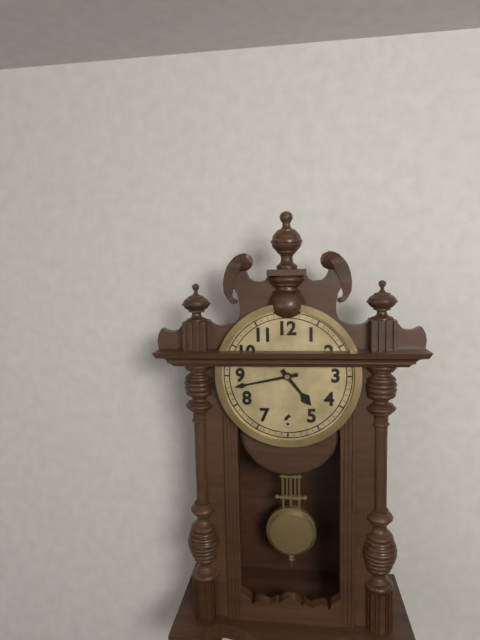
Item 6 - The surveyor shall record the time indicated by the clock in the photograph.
4:43
